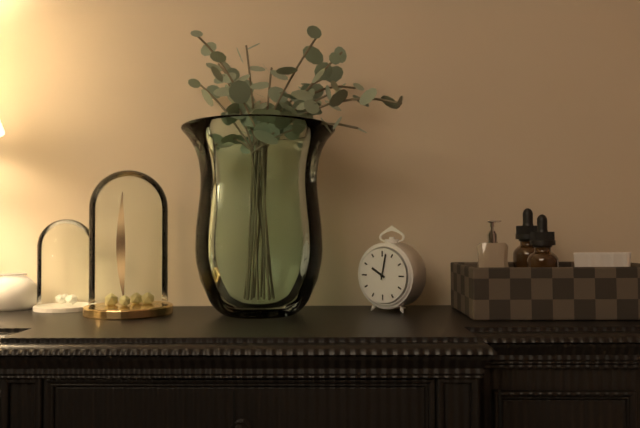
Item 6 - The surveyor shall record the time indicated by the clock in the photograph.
10:02
